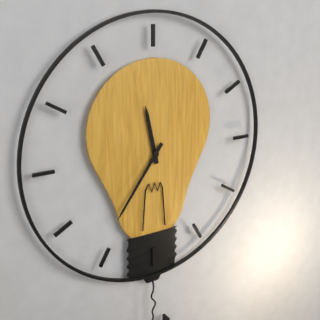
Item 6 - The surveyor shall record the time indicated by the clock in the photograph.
11:36
